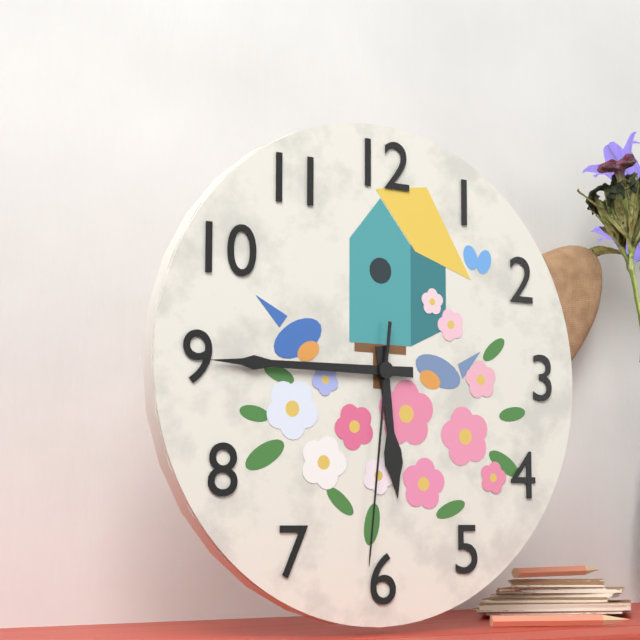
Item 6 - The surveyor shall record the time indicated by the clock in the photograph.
5:45:31
